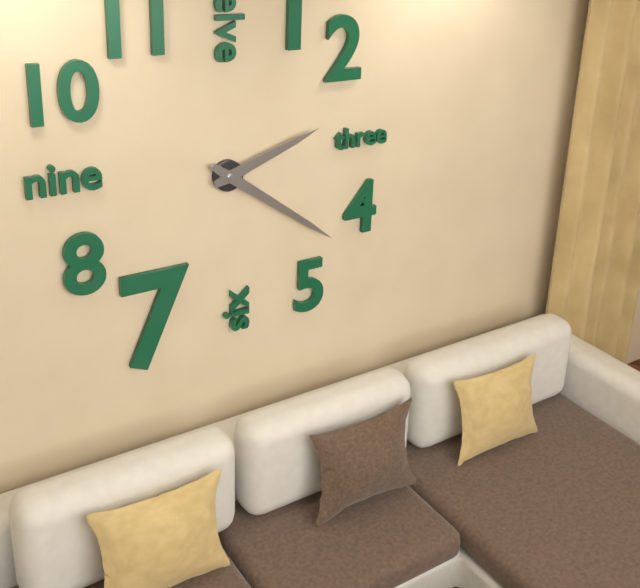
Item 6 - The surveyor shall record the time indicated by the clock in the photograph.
2:21
